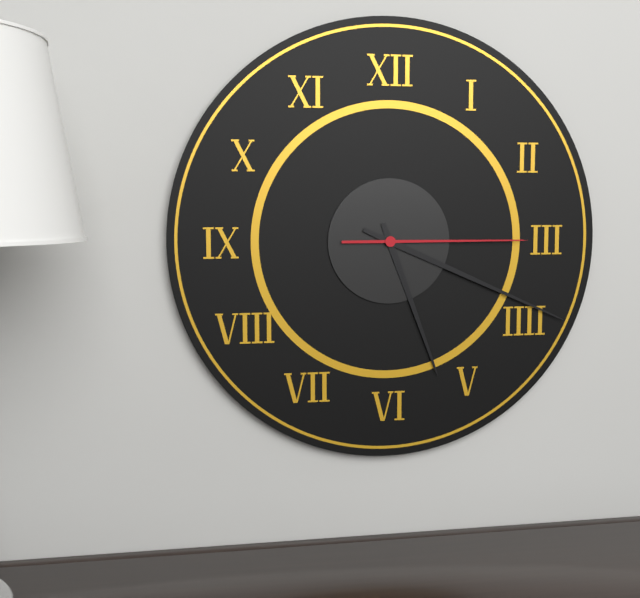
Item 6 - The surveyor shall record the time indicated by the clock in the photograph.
5:19:15
